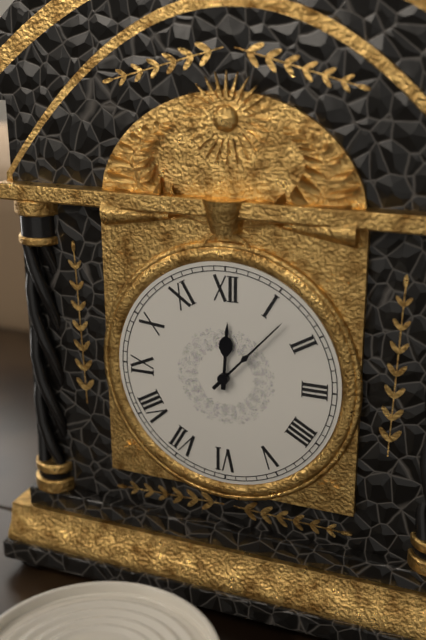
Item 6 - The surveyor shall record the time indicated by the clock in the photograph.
12:07
